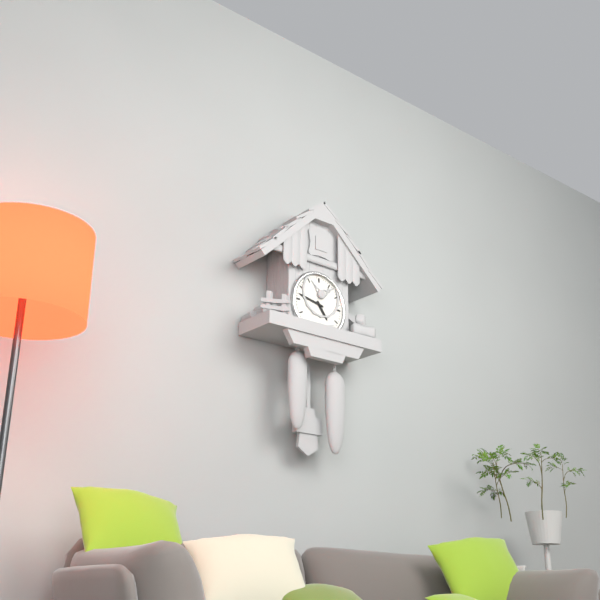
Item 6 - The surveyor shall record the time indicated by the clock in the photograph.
4:47
